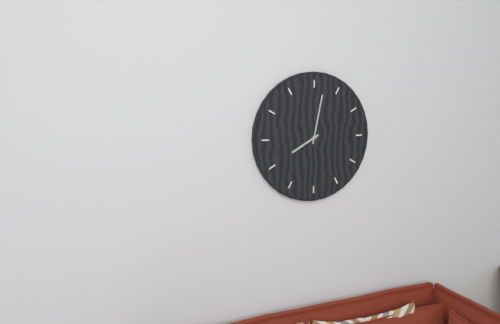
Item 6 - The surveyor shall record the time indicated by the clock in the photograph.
8:02
